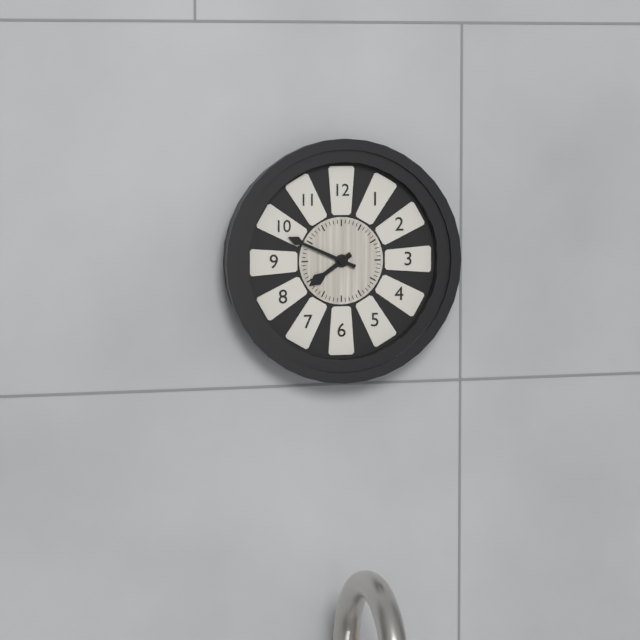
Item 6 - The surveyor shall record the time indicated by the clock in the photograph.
7:49
